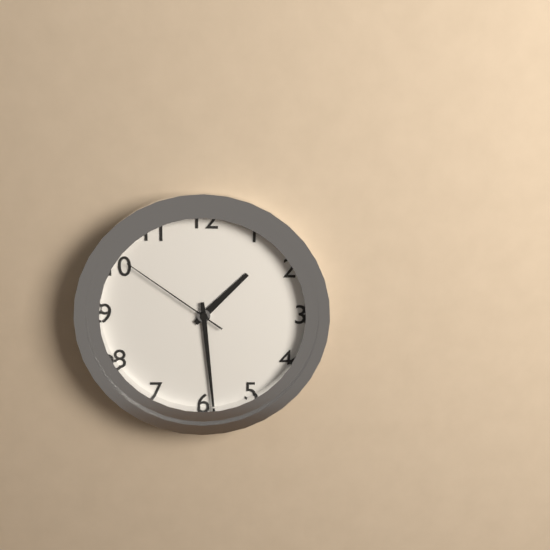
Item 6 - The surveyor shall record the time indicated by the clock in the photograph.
1:29:51
